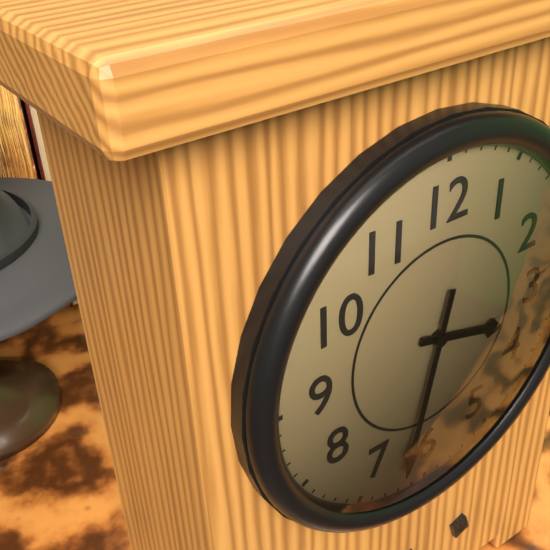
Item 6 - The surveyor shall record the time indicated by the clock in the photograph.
3:32
